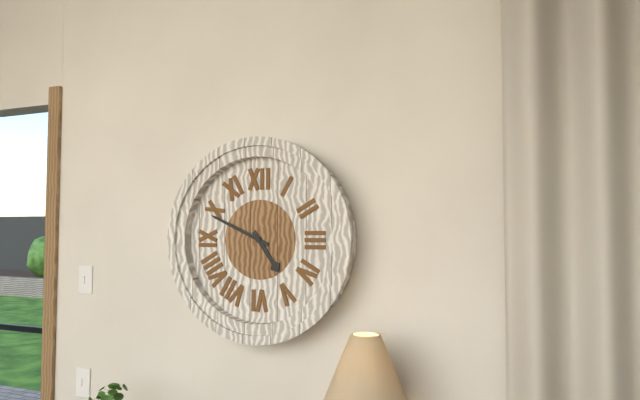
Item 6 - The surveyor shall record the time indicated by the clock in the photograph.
4:49
